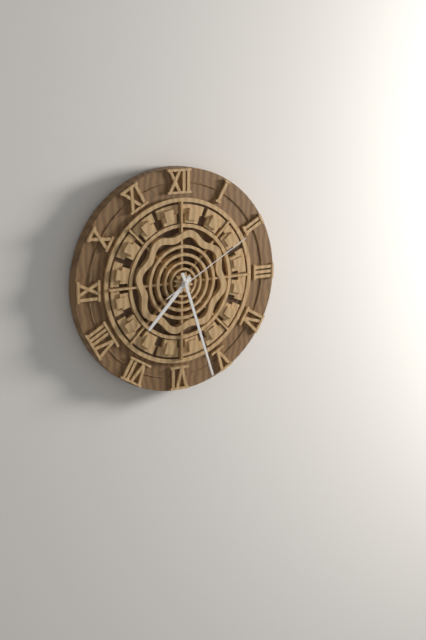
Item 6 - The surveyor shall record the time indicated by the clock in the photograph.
7:27:10
